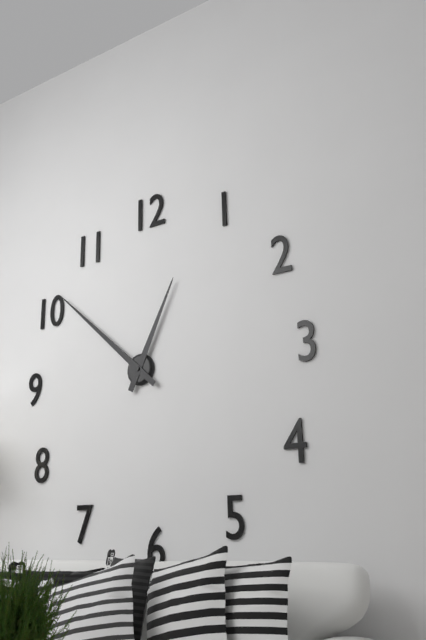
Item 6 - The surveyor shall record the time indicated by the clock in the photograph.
12:52
